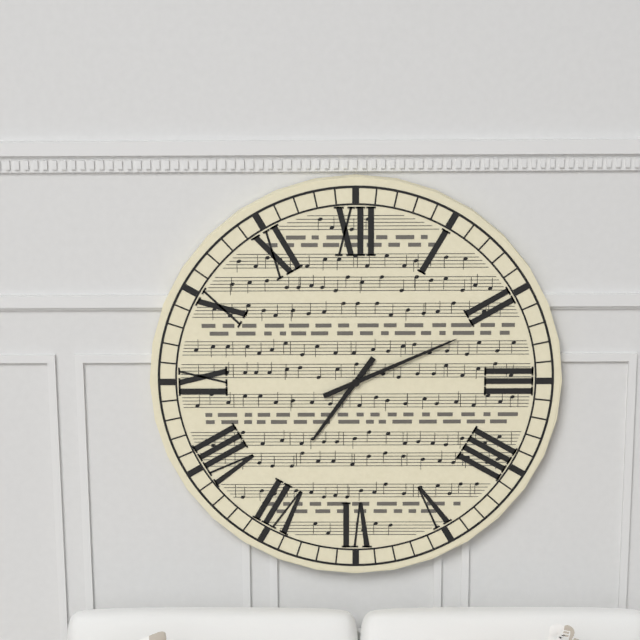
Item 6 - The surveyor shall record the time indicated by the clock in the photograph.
7:11
